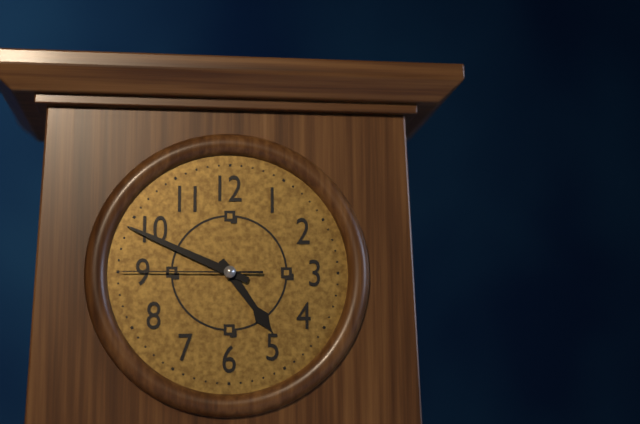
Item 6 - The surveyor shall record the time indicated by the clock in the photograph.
4:49:45
